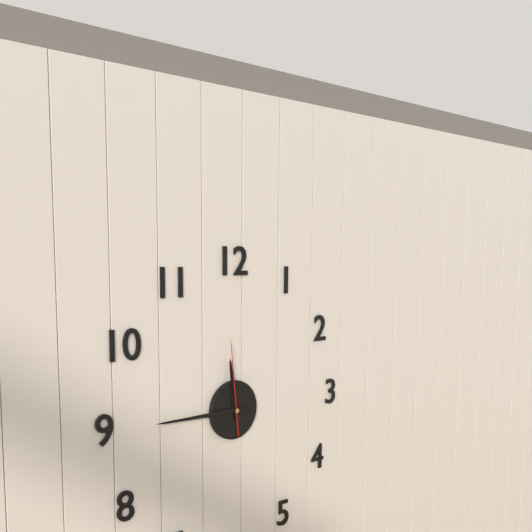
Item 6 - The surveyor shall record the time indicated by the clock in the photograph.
11:45:59
